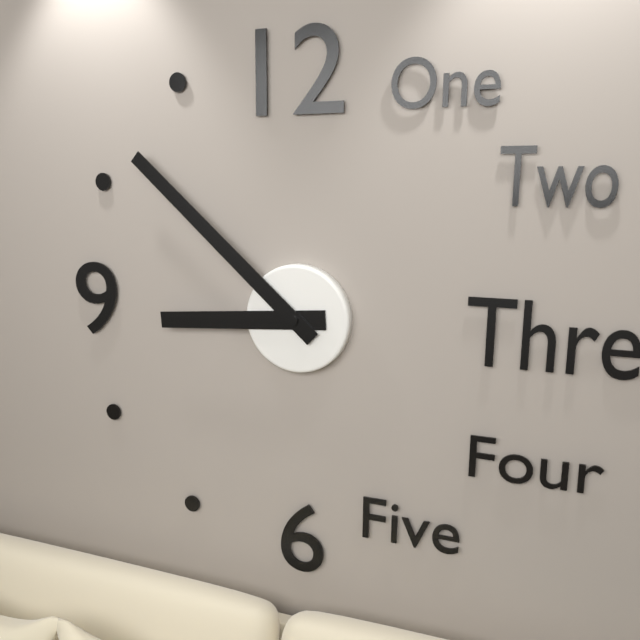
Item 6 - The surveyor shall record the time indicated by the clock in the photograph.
8:52
